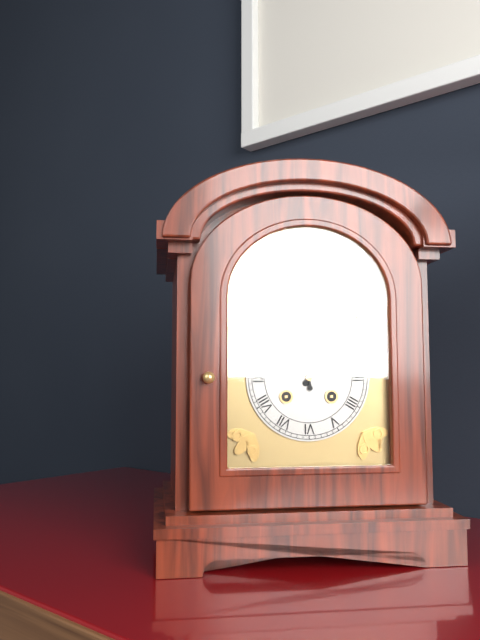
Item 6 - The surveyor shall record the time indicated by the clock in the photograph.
12:59
